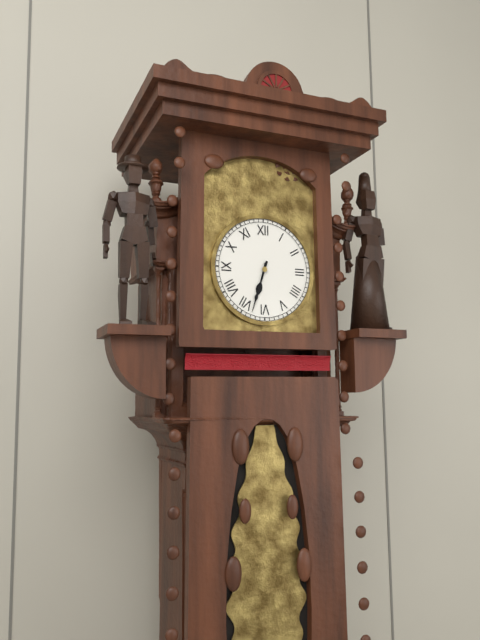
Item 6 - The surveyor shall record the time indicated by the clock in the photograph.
6:33
